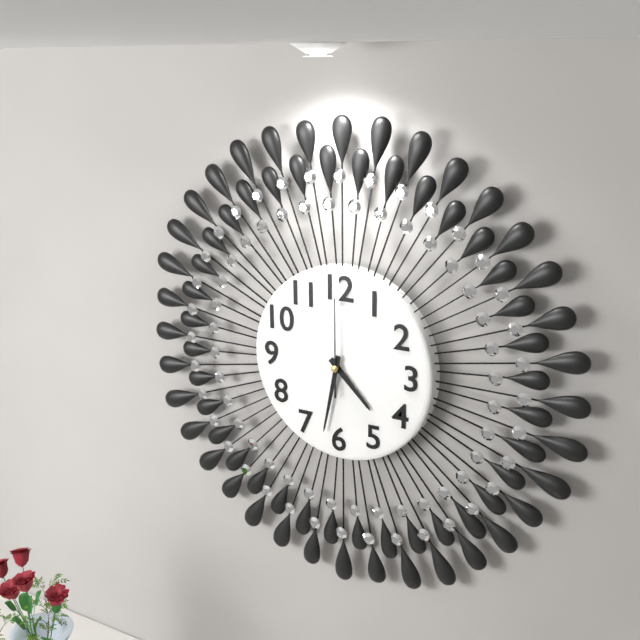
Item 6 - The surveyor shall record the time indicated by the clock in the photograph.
4:32:00
